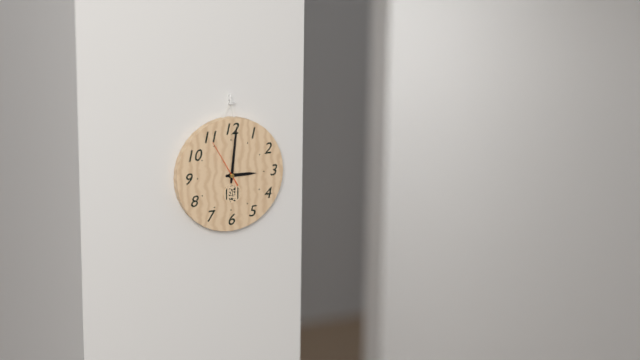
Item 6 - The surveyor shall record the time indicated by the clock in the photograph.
3:01
